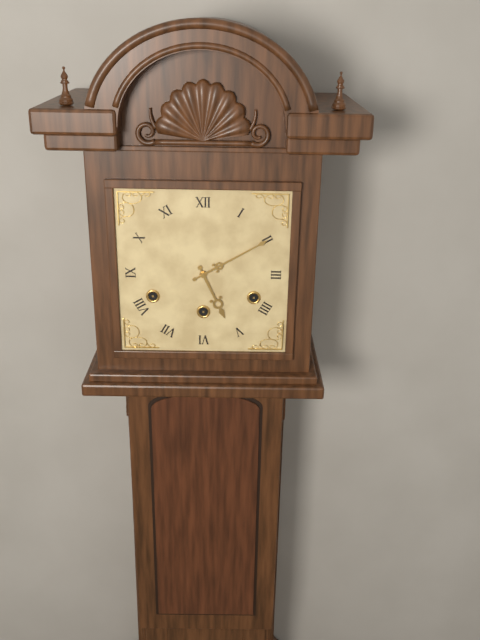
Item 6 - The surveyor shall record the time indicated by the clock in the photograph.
5:10
